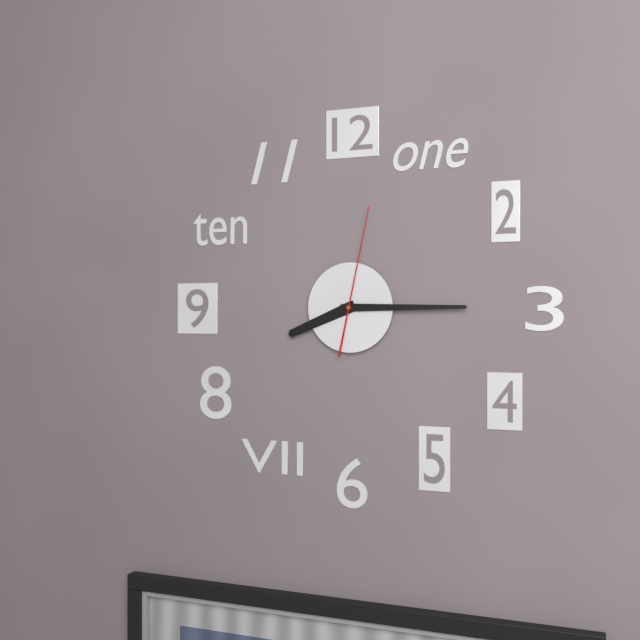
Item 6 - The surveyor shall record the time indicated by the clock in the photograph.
8:15:02
